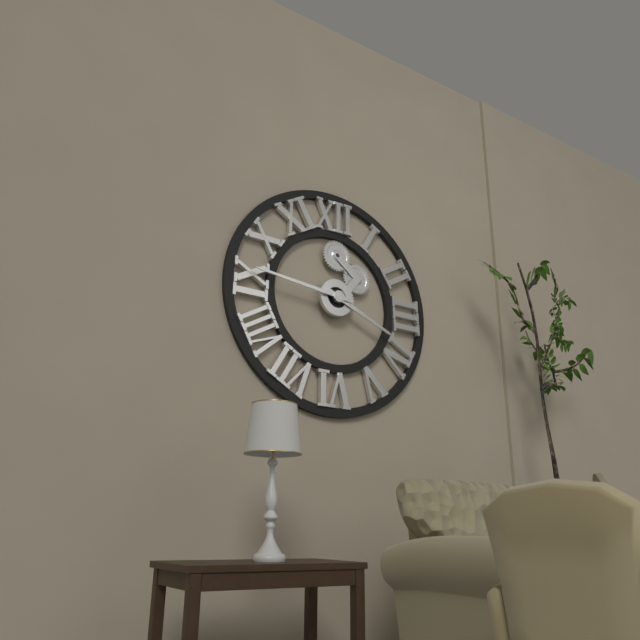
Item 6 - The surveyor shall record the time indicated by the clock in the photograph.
3:46
